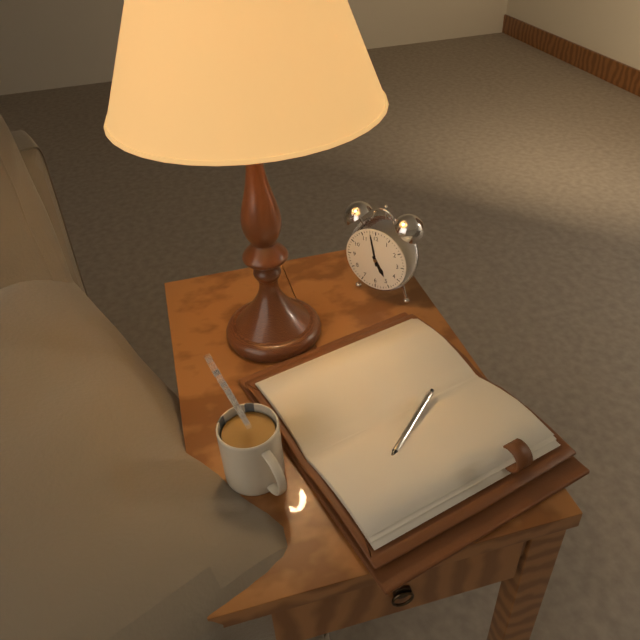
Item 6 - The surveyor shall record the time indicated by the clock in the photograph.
4:58
